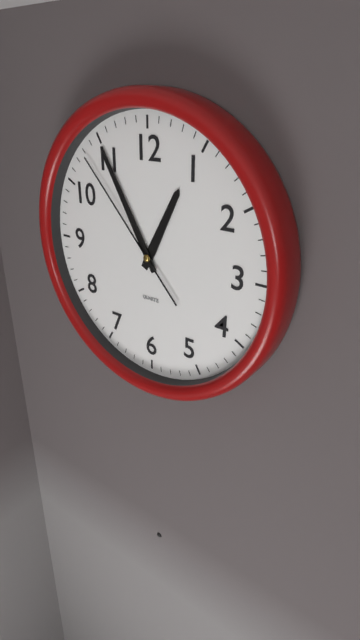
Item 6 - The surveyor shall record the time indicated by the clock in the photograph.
12:55:53
